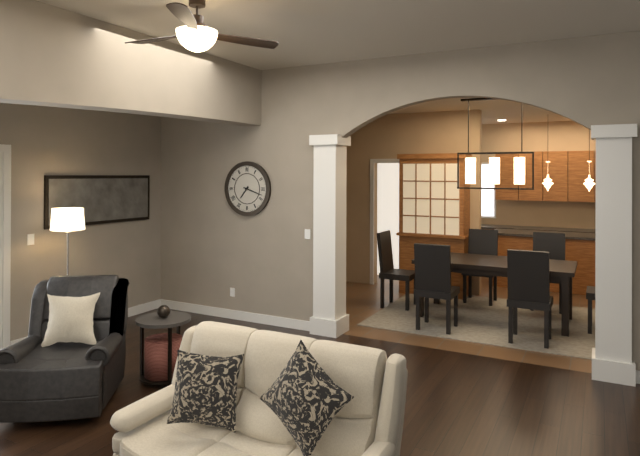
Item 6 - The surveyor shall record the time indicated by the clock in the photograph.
7:18
